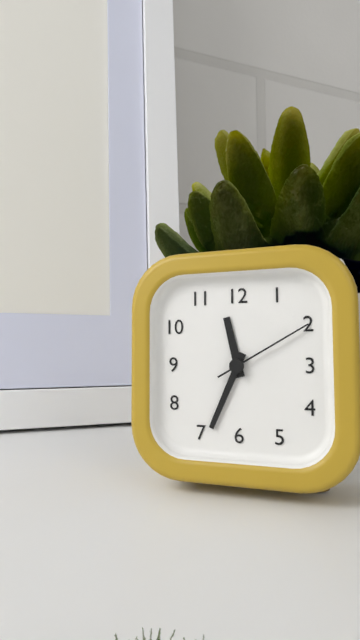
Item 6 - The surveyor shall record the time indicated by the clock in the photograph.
11:34:10
